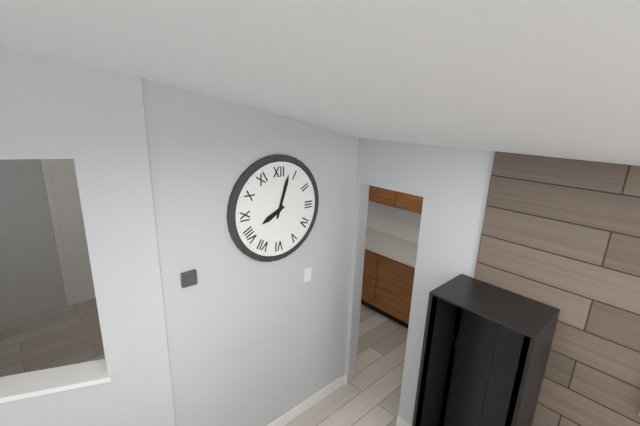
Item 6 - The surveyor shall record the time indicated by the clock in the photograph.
8:03
